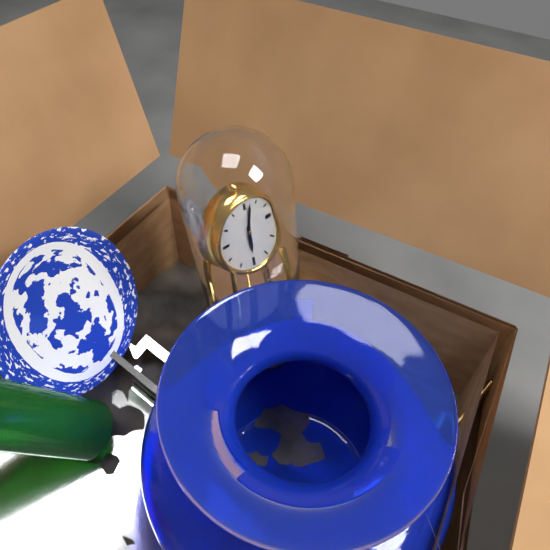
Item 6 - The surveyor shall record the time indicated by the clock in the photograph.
6:02
